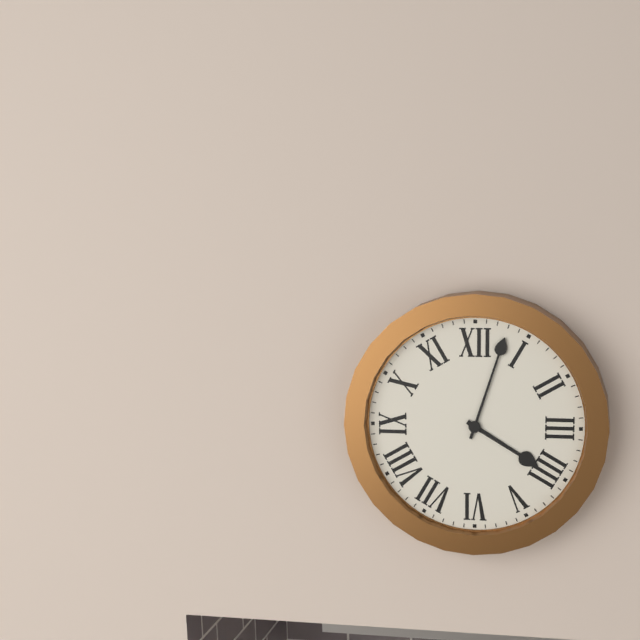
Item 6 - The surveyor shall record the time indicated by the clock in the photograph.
4:03
